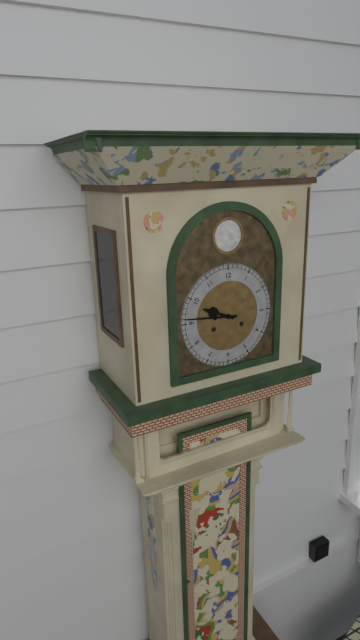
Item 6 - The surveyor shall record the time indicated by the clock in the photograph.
9:46
